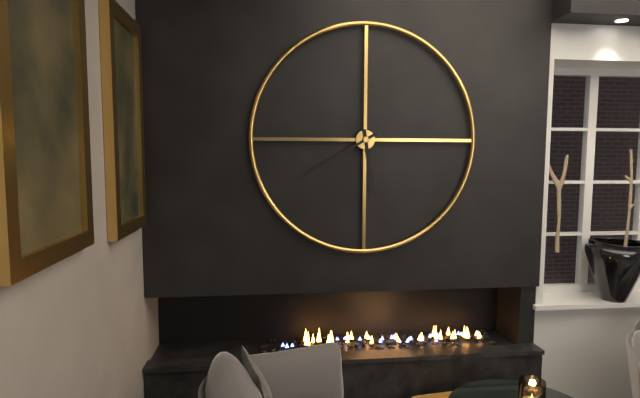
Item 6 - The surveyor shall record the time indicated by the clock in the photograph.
5:40
